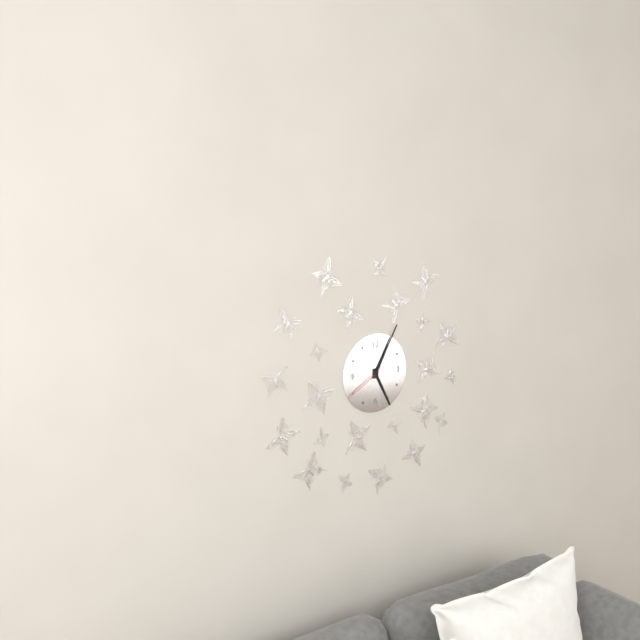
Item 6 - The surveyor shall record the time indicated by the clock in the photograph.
5:05
